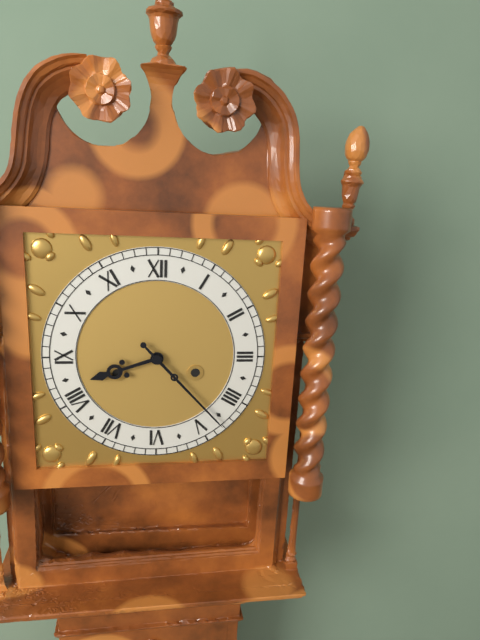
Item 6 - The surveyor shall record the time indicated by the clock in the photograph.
8:23
